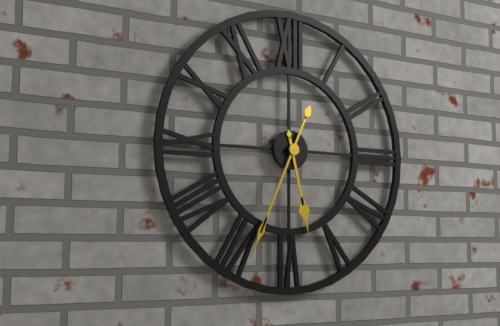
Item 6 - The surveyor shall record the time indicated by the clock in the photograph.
5:34
